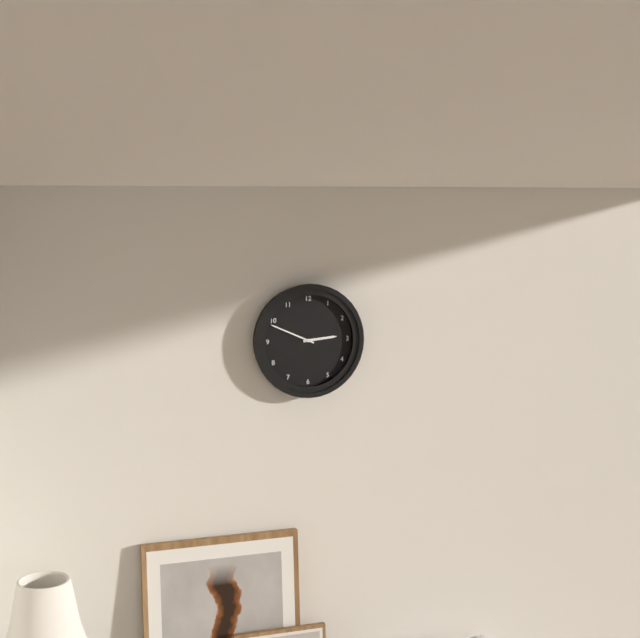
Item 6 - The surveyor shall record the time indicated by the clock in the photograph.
2:49
